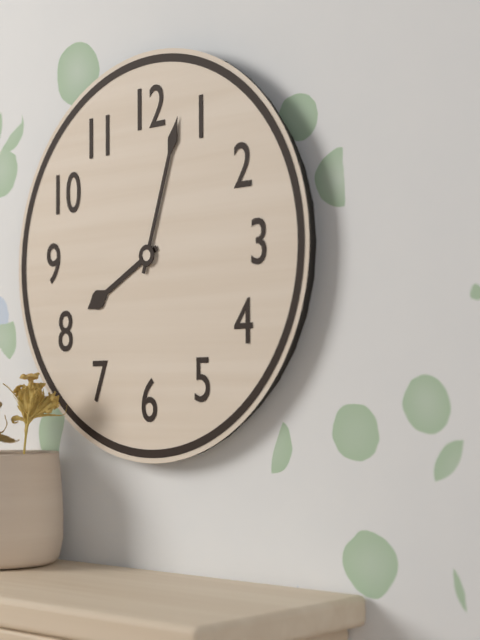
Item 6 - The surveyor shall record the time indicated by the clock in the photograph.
8:03
